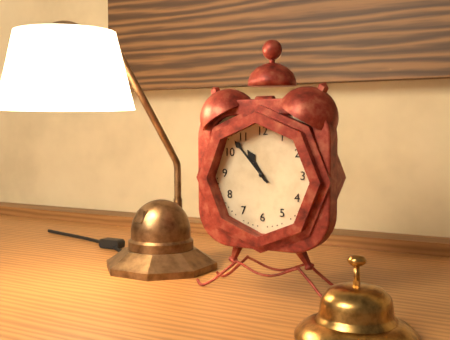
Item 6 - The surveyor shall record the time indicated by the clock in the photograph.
10:53
